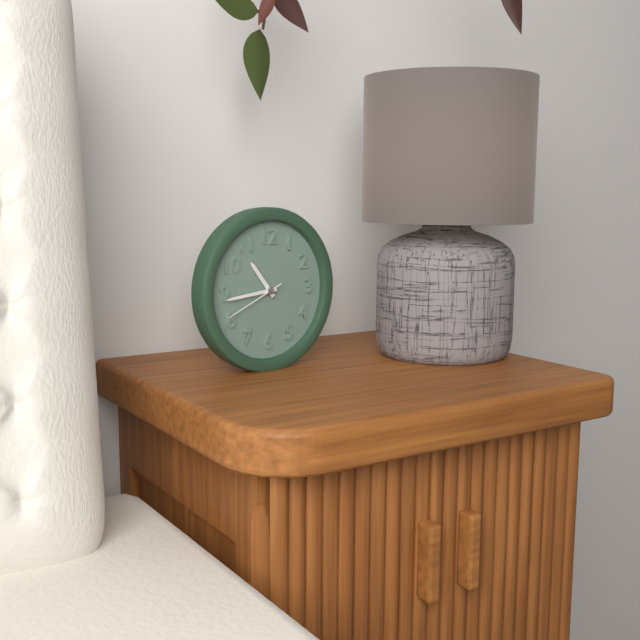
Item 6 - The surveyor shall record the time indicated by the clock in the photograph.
10:44:41
